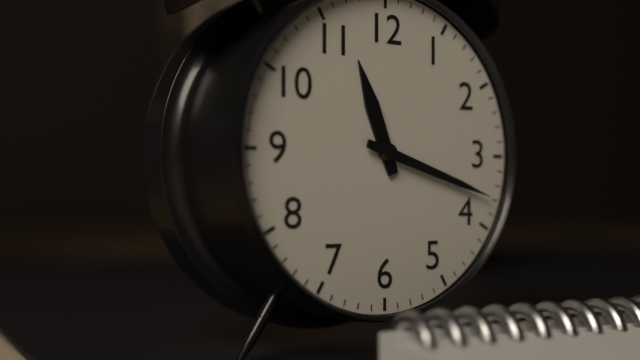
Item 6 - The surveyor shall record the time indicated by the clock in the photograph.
11:18
